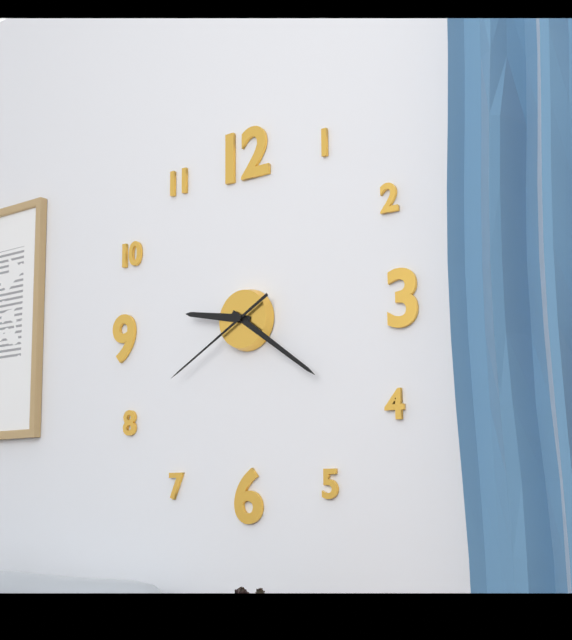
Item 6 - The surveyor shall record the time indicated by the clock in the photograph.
9:21:40
